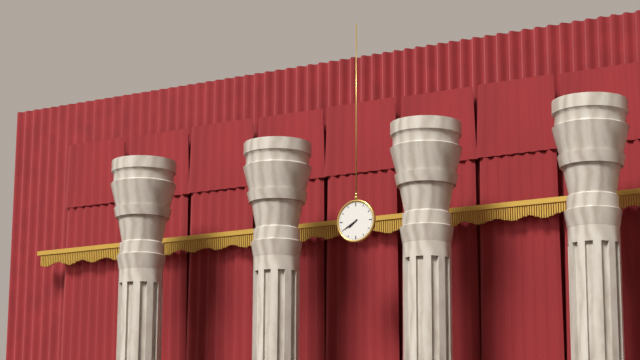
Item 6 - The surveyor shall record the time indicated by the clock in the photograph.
7:40
